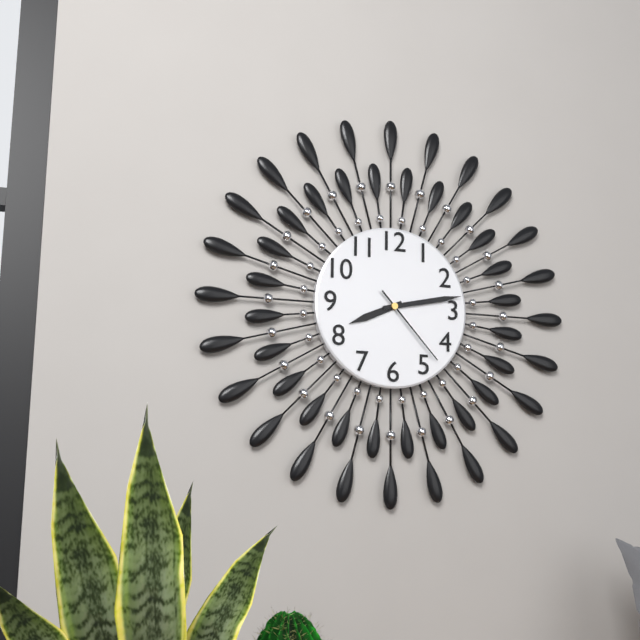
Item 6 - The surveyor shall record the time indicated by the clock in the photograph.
8:13:23
